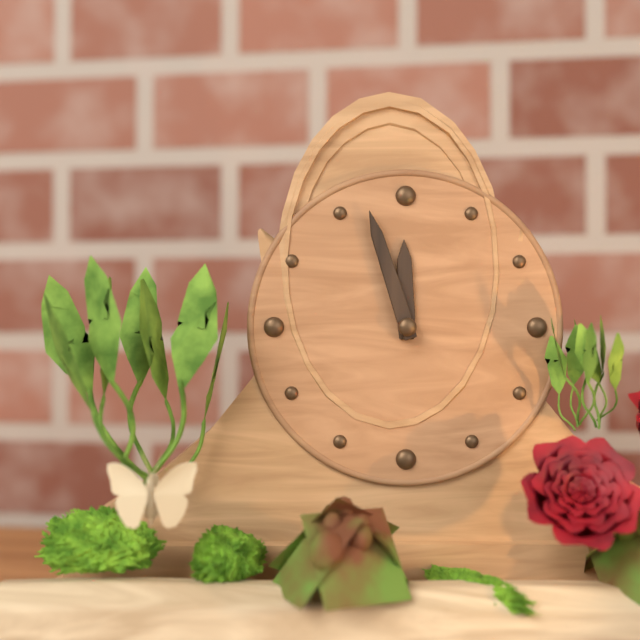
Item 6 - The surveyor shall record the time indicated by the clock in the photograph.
11:57
